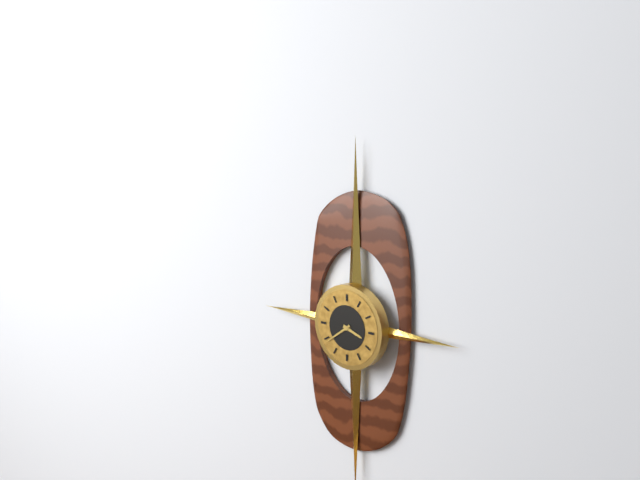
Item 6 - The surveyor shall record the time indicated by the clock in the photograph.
3:39
